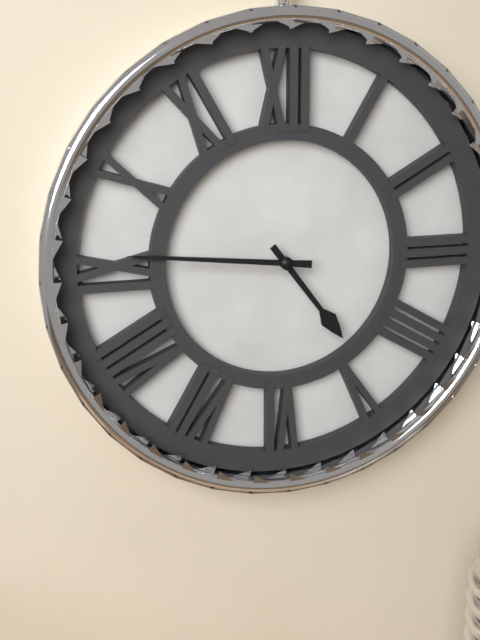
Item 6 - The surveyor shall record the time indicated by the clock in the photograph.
4:46
